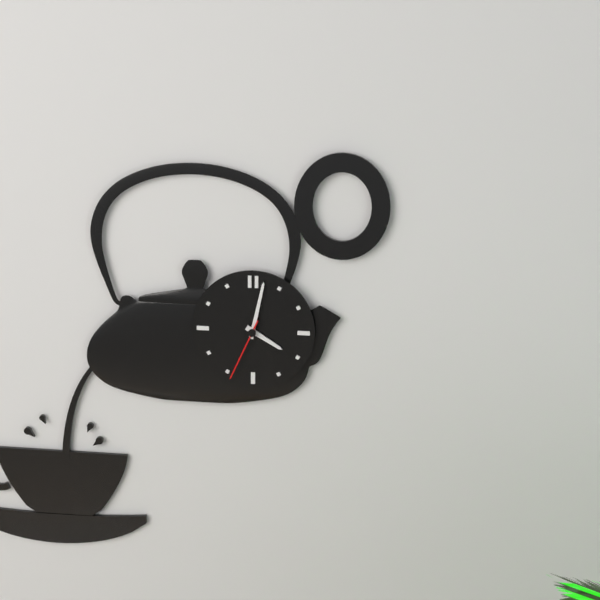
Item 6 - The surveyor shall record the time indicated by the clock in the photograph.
4:02:34
